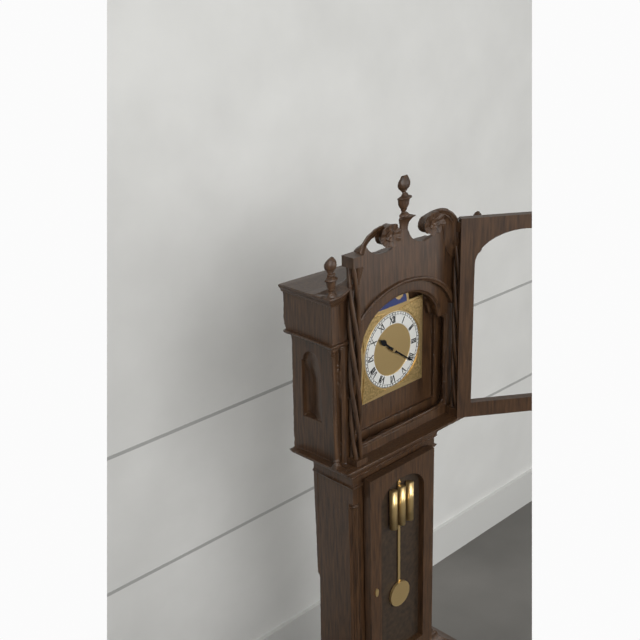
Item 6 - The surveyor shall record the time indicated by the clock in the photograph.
10:21
